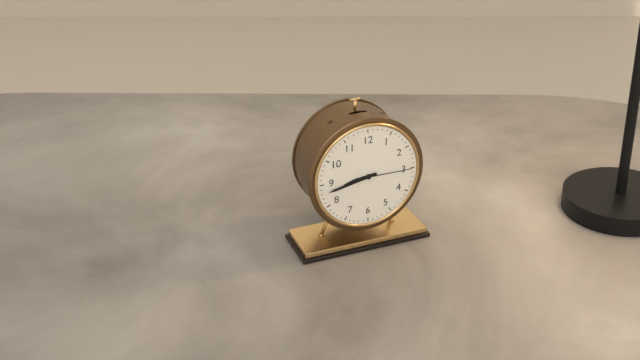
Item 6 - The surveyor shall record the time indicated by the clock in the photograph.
8:43:15
